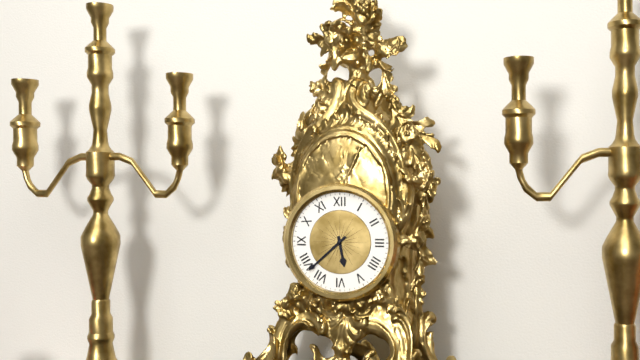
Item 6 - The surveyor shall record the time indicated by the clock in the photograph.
5:38
